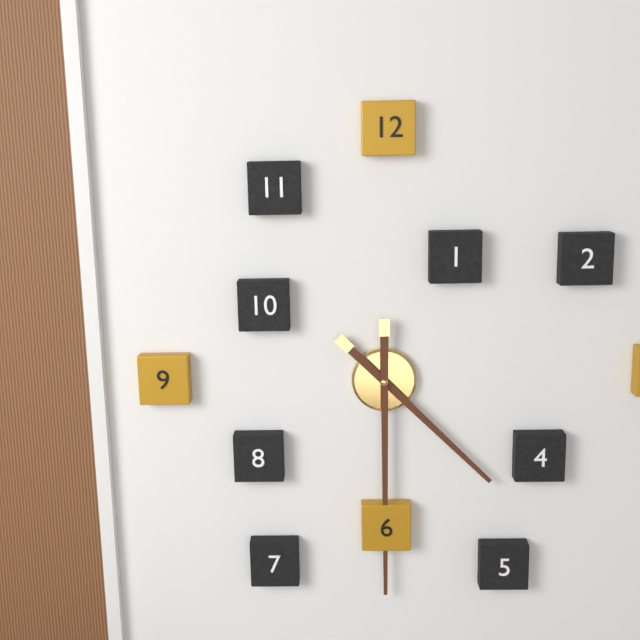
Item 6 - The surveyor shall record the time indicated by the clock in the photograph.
4:30
